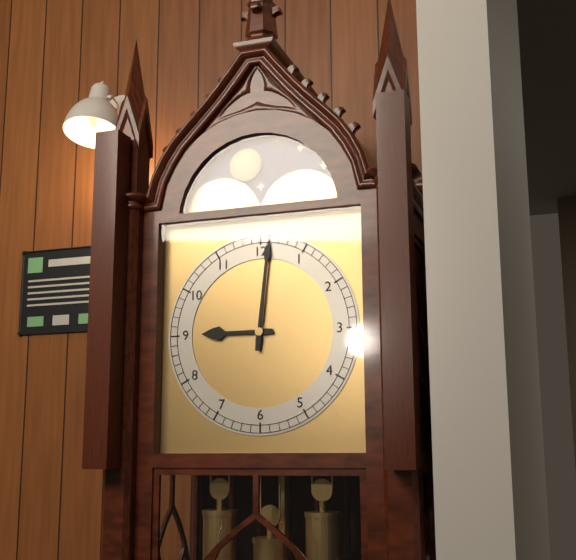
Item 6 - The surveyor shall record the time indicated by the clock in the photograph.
9:01
